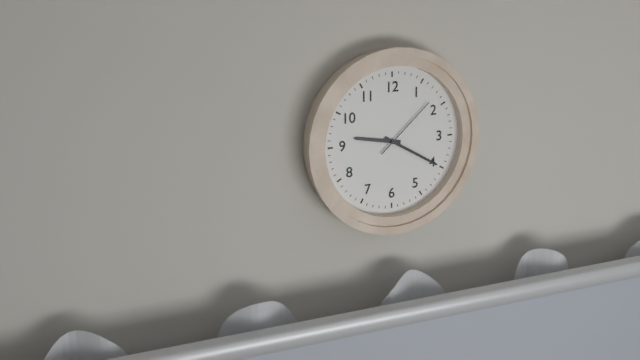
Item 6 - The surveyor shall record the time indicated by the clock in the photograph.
9:20:08
